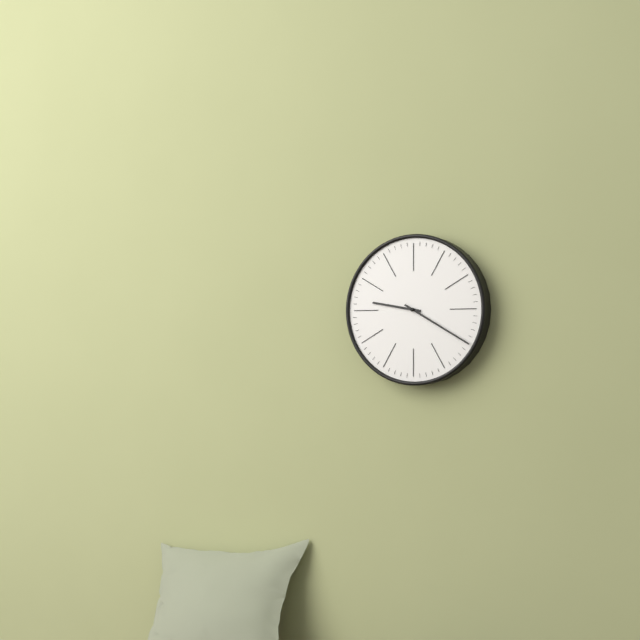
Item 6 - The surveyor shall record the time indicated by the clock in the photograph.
9:20
